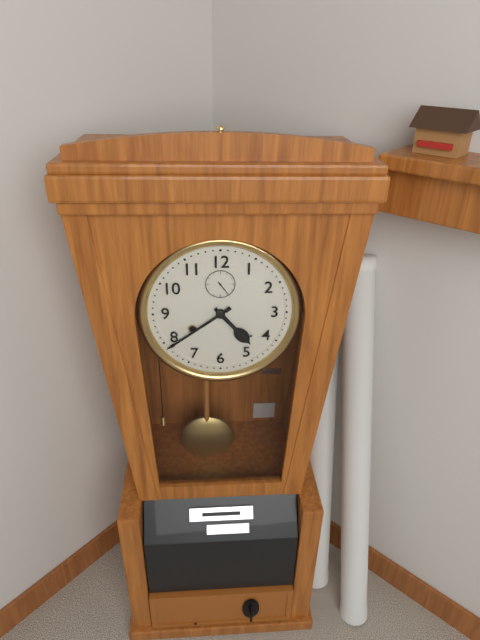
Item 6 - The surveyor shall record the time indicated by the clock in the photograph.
4:39
